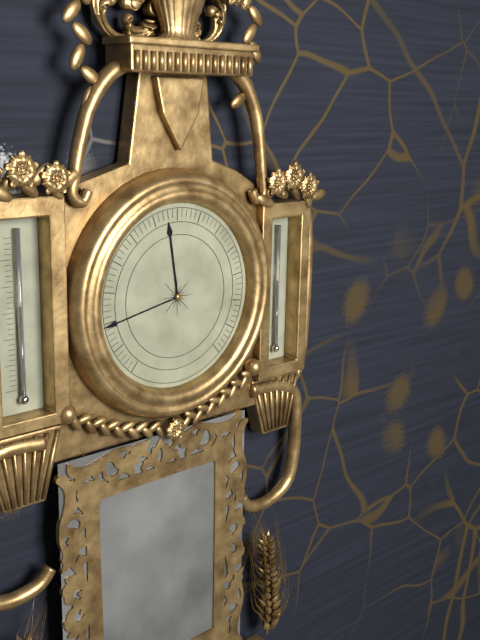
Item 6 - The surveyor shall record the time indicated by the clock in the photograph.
11:43
